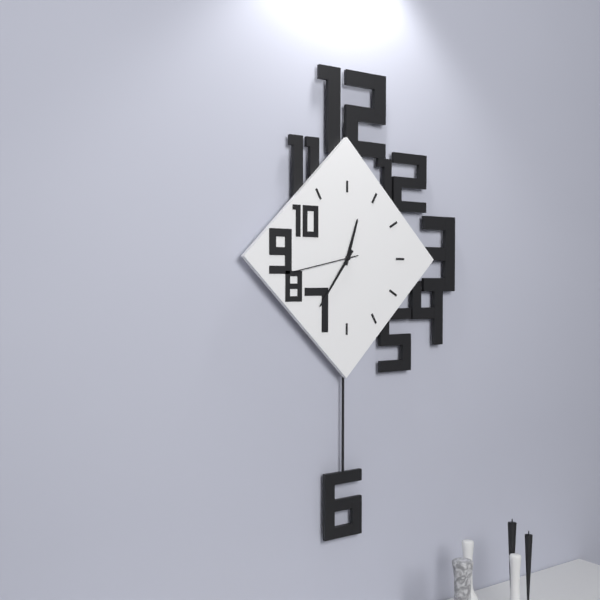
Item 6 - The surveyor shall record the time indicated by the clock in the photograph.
12:36:43
